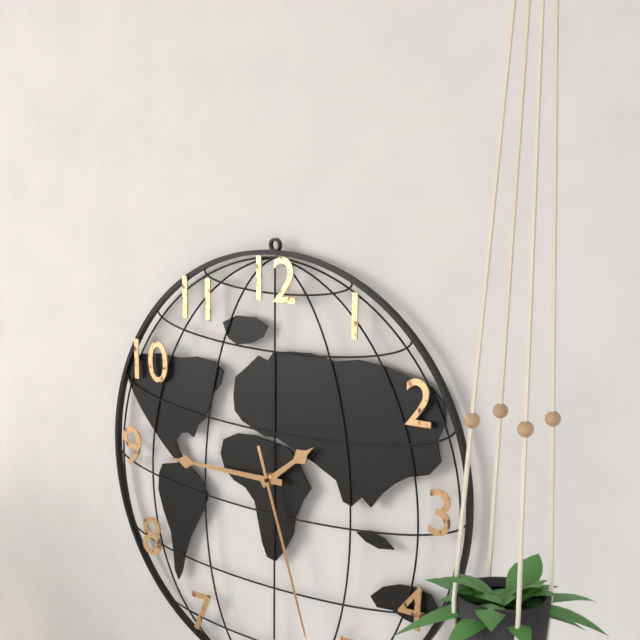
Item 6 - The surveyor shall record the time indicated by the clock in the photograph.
1:45:27
